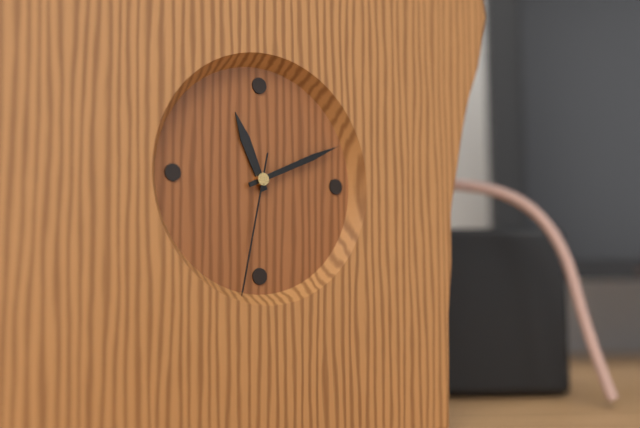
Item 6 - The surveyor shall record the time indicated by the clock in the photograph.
11:11:32
